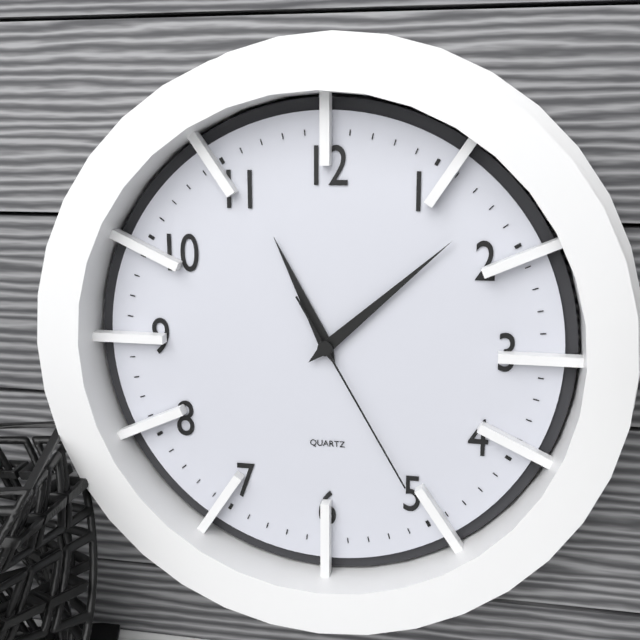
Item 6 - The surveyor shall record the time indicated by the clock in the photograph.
11:08:25
